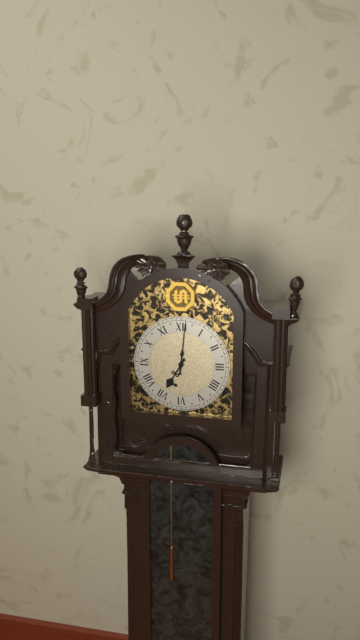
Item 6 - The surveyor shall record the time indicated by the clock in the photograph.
7:01
